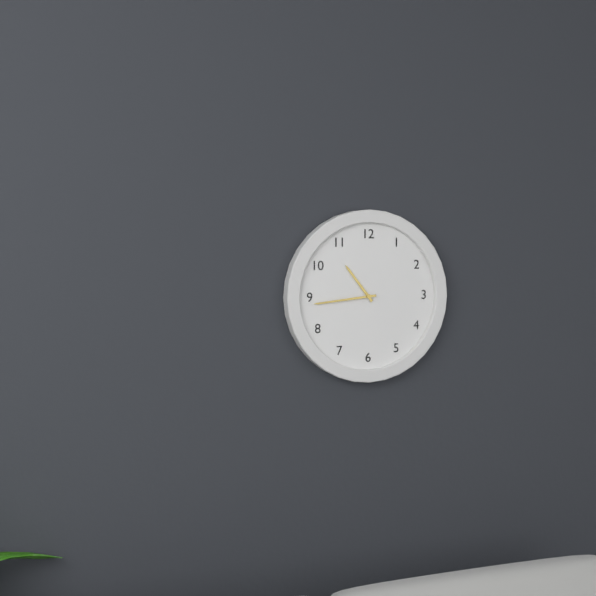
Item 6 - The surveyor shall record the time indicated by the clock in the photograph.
10:44
